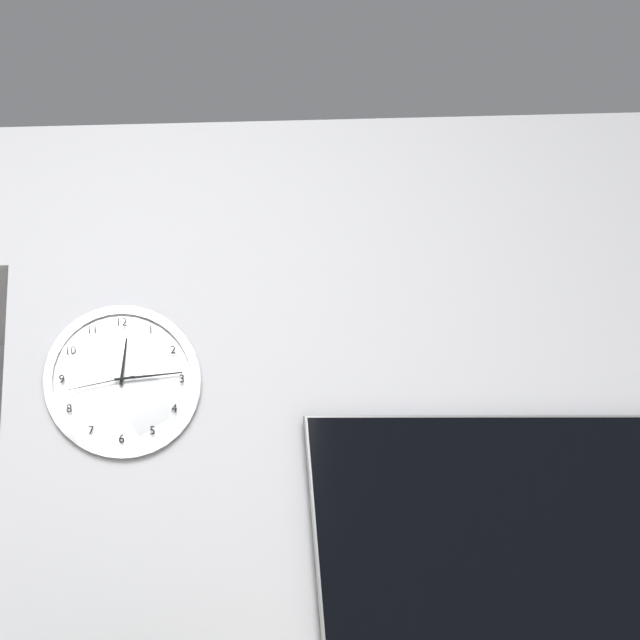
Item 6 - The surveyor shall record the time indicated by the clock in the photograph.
12:14:43
